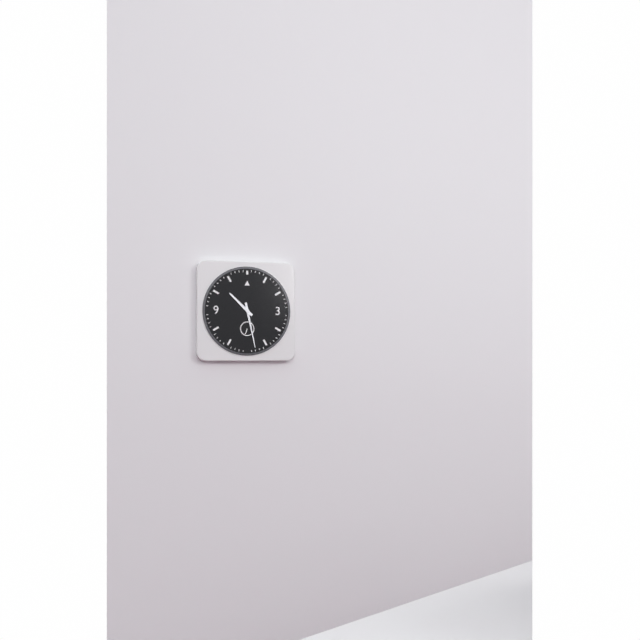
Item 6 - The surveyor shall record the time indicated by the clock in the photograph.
10:28
